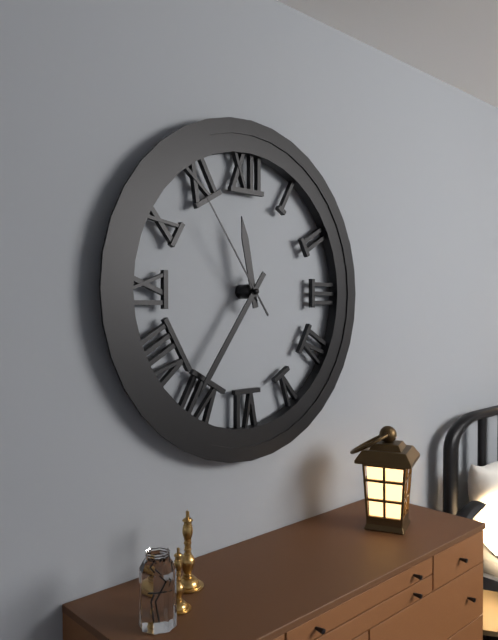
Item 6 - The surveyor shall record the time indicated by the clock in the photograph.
11:36:54
